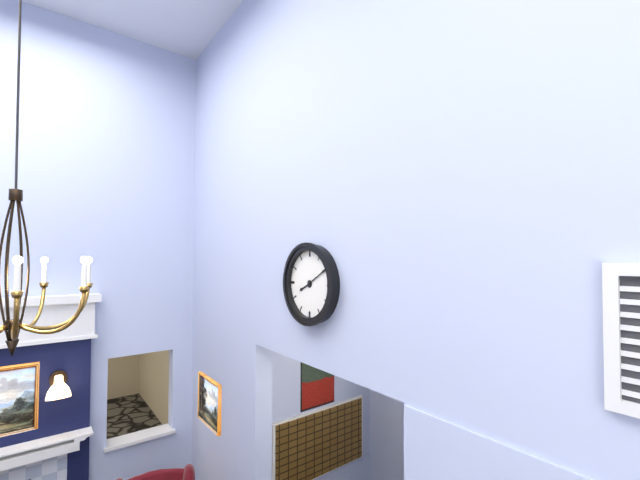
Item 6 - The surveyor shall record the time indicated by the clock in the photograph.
8:10
